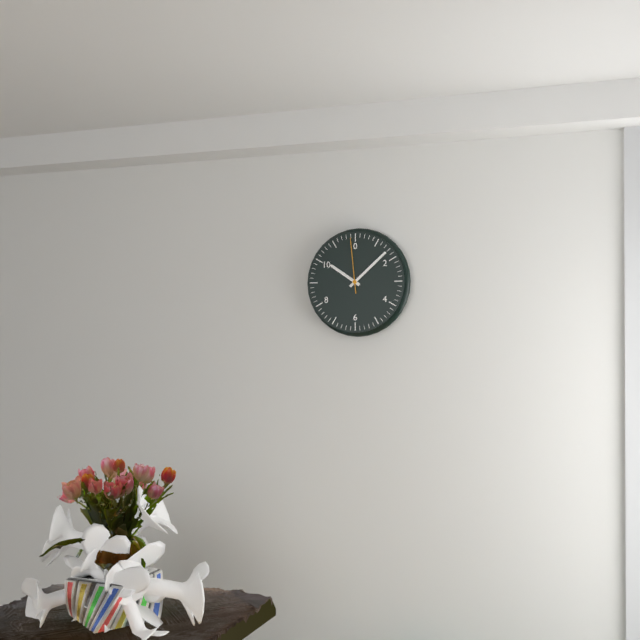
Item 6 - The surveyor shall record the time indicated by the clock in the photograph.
10:08:59
